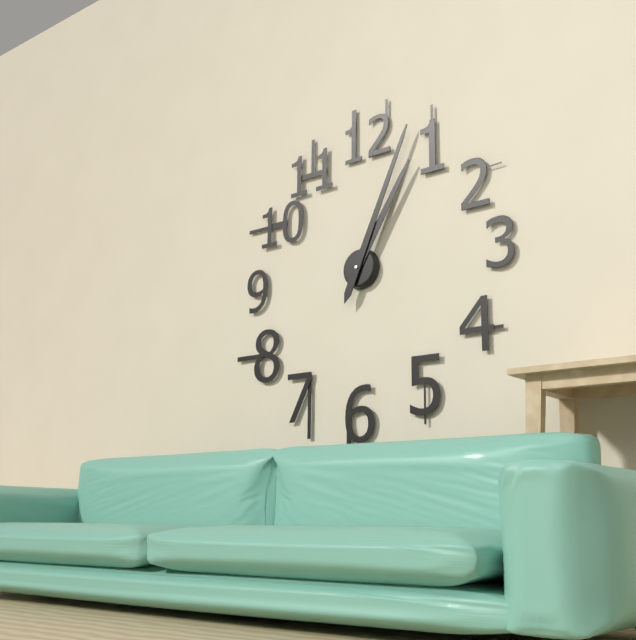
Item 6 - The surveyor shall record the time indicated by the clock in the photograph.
1:04
